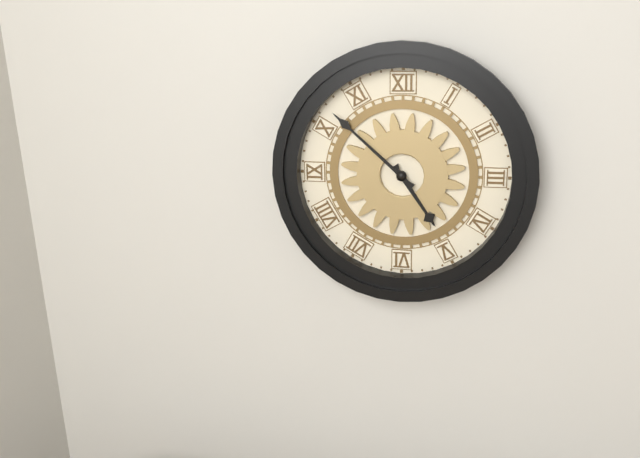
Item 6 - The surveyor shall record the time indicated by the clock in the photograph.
4:52
